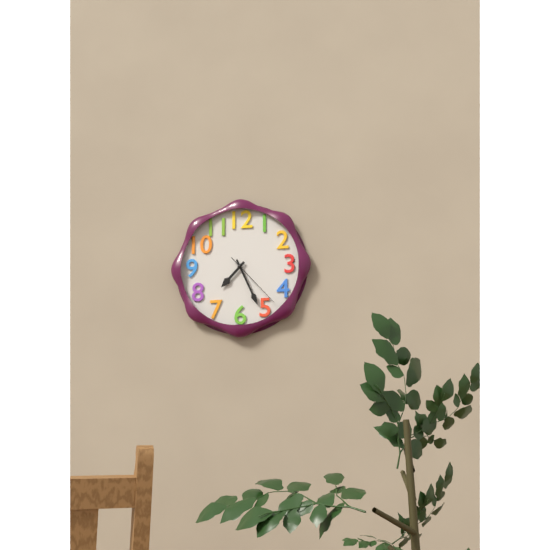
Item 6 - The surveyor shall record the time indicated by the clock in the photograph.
7:26:23
